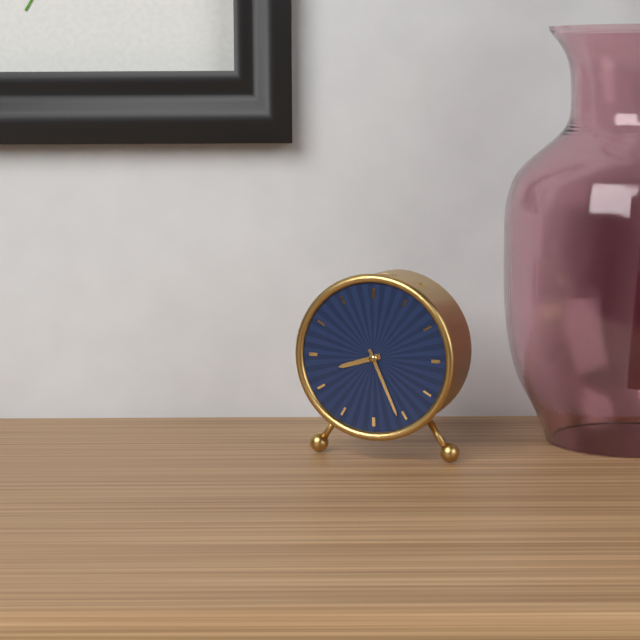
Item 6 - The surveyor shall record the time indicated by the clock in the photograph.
8:26
